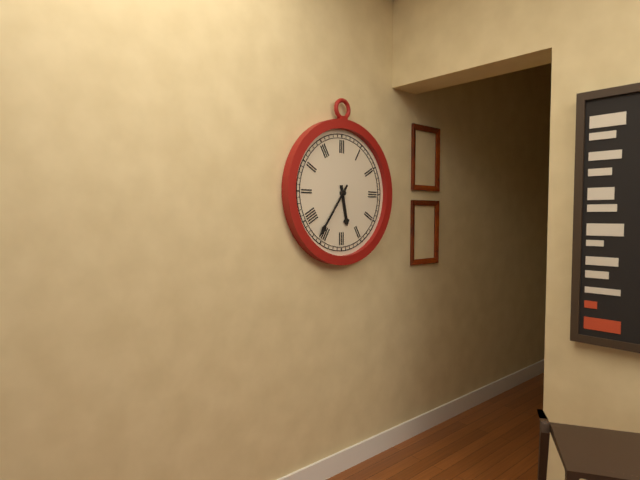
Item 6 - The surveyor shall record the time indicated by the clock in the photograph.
5:36
